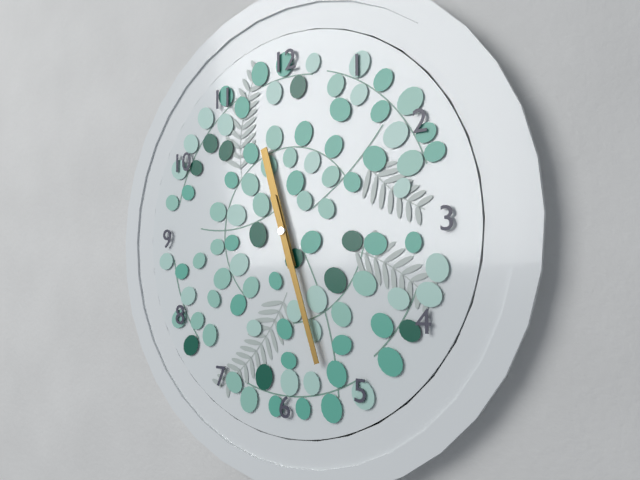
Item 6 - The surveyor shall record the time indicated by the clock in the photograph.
11:27
